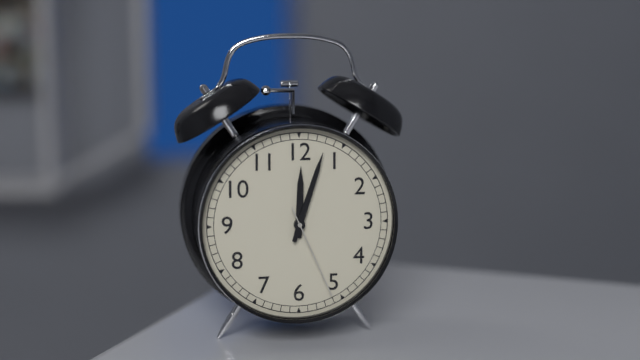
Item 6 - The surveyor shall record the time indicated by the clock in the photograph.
12:03:26
